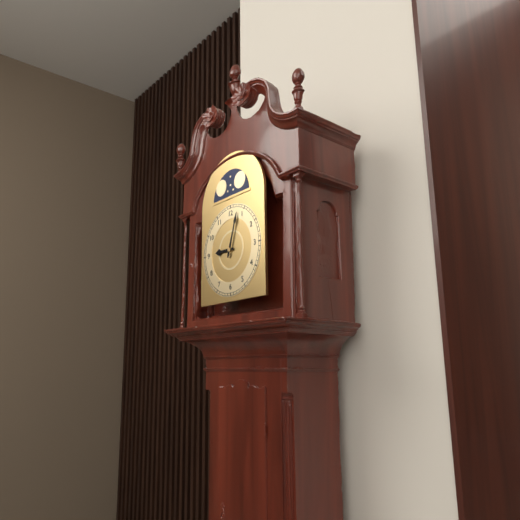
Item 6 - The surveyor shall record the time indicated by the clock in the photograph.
9:03
